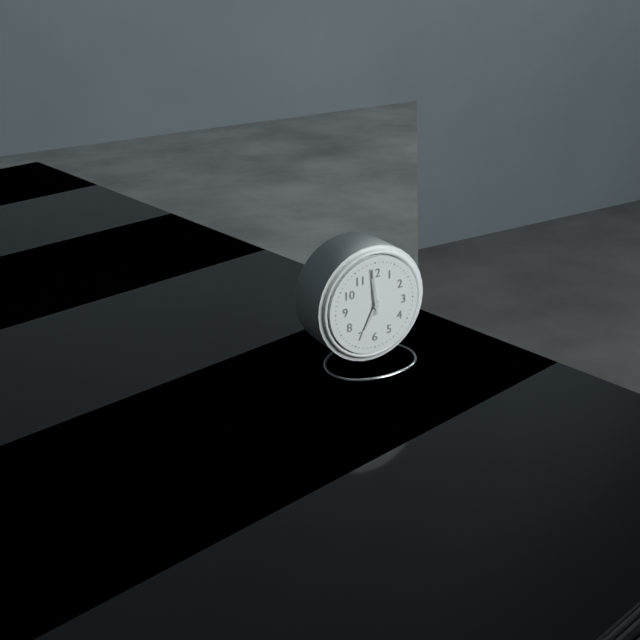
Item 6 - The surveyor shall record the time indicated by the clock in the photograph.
6:59
